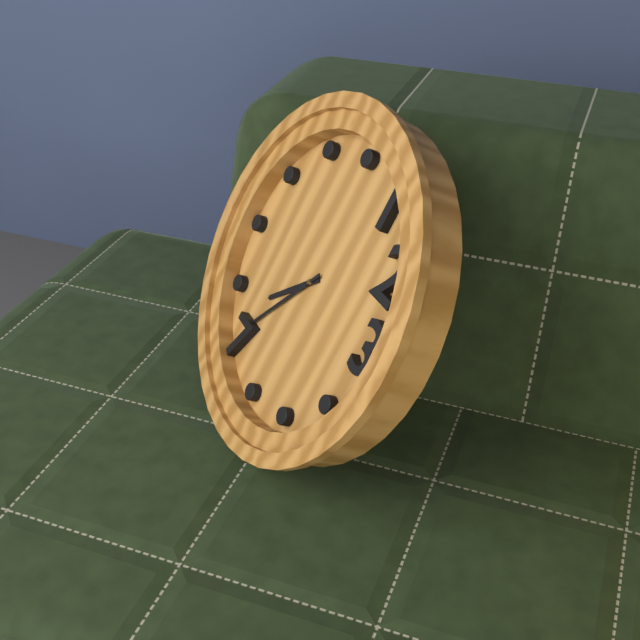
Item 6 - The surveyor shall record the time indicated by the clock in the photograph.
7:36
